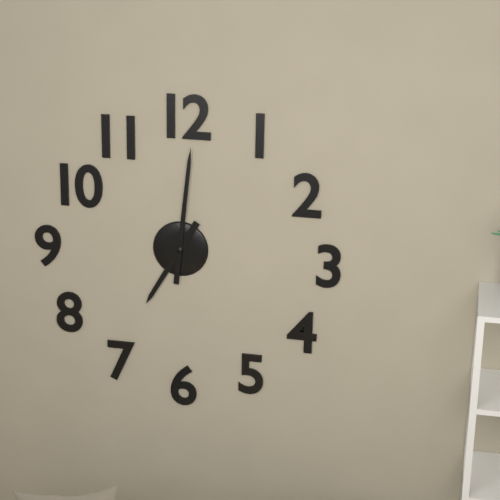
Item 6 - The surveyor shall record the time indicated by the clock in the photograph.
7:01
